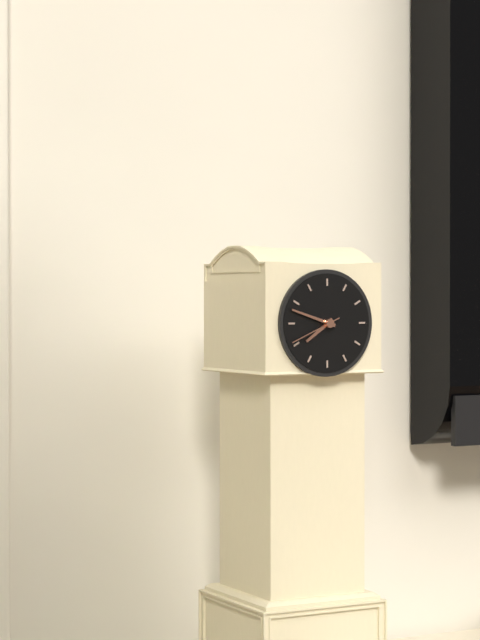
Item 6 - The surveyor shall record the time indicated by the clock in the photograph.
7:48:41
